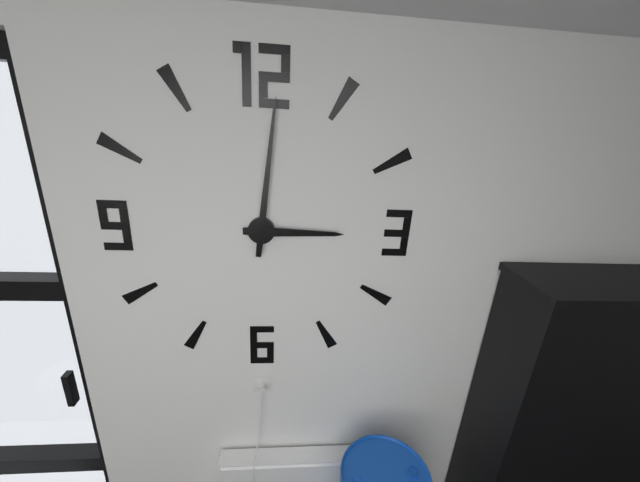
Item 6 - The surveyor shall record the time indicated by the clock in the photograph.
3:01
